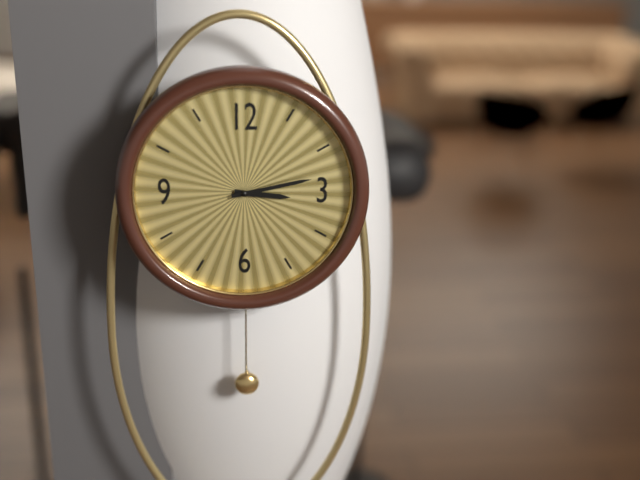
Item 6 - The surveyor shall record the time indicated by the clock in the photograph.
3:13
